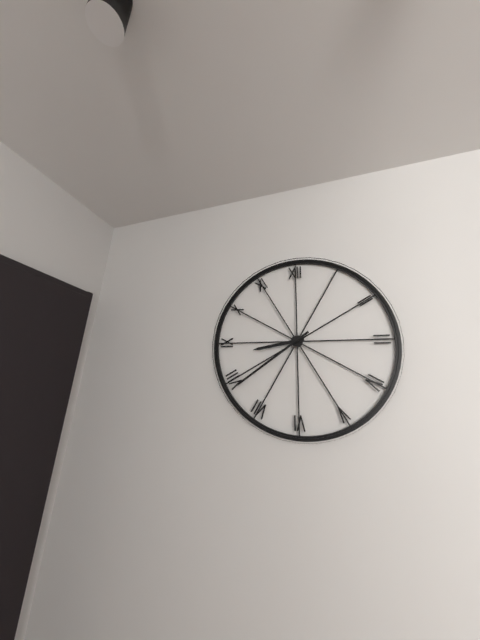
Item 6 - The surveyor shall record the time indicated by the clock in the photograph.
8:39
